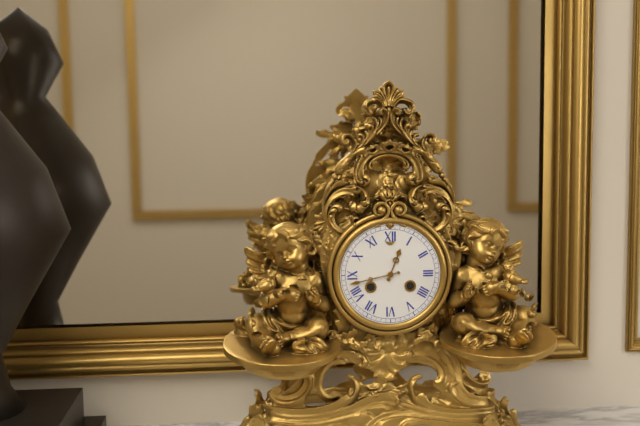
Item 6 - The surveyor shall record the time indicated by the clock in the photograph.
12:43
